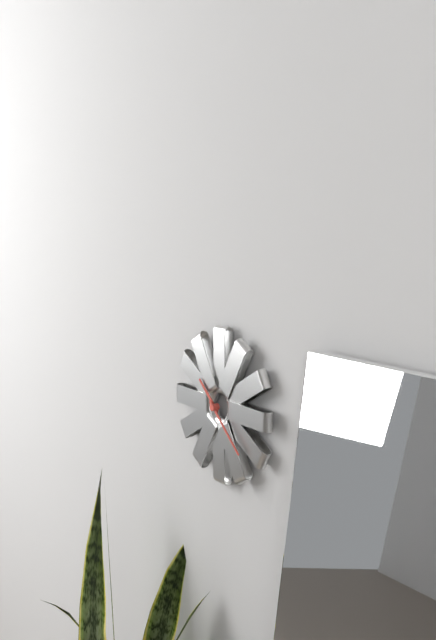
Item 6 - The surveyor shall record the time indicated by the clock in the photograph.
10:22
